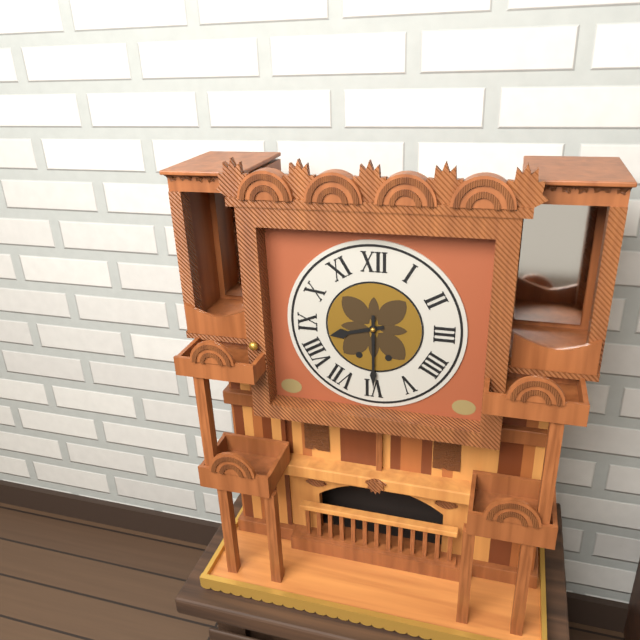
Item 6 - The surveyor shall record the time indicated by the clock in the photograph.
8:30
